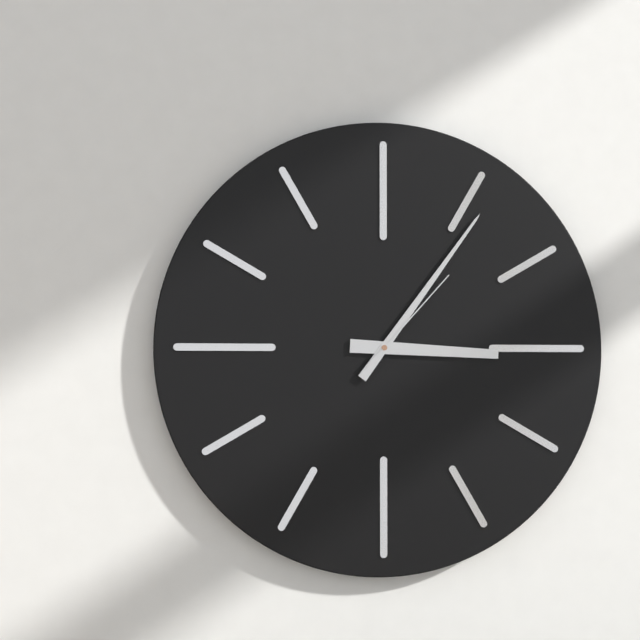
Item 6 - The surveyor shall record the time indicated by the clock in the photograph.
3:06:07
